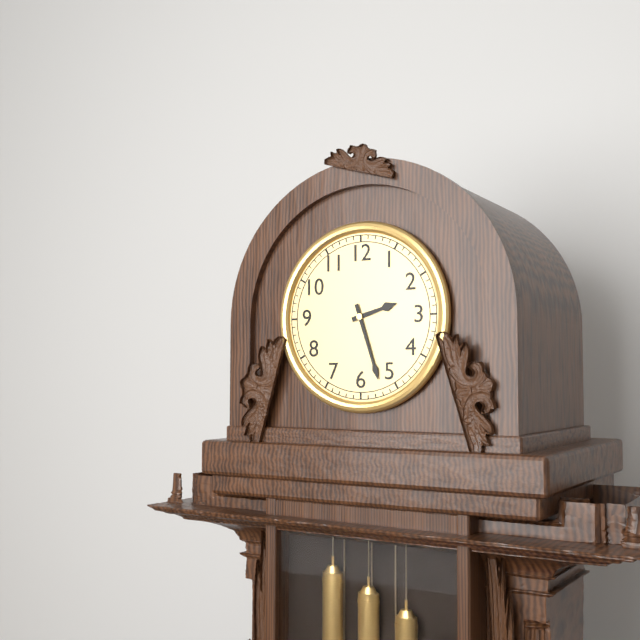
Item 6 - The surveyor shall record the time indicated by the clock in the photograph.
2:27
